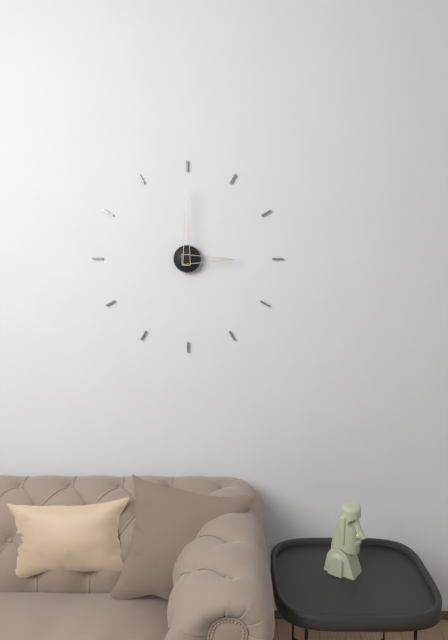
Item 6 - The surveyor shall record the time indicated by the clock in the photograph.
3:00
